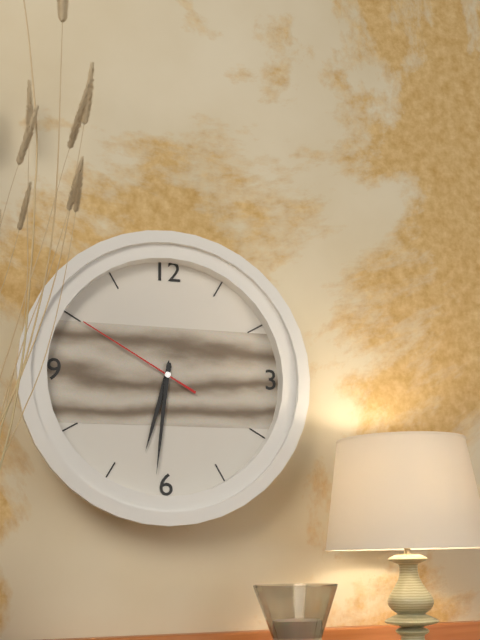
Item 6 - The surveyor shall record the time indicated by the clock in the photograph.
6:31:50
